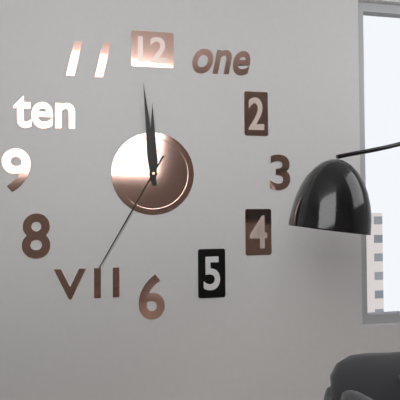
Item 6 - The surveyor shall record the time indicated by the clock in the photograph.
11:59:35
